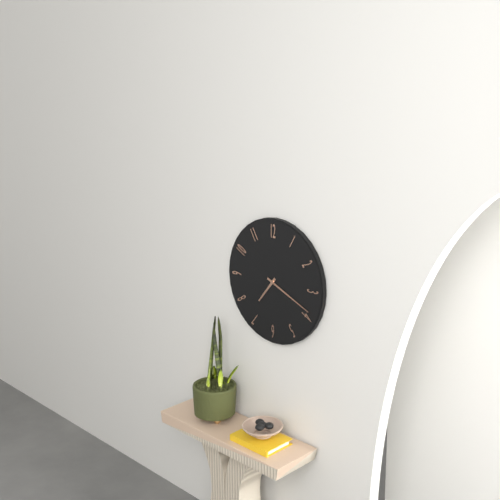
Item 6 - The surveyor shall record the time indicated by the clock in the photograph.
7:19
